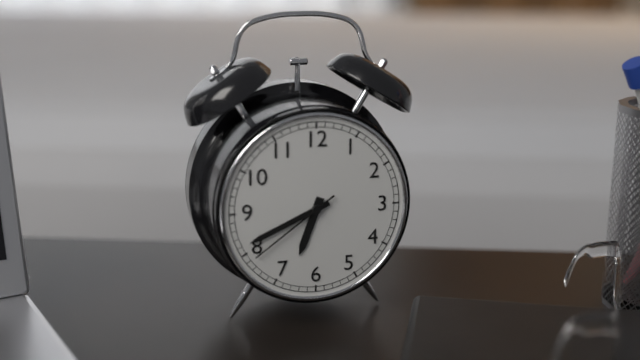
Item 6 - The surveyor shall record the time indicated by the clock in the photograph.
6:41:39
